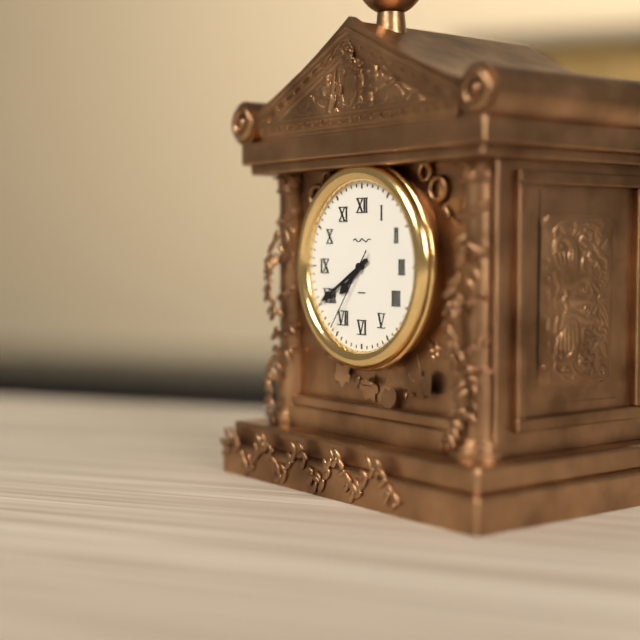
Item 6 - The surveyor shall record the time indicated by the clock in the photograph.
7:40:36
